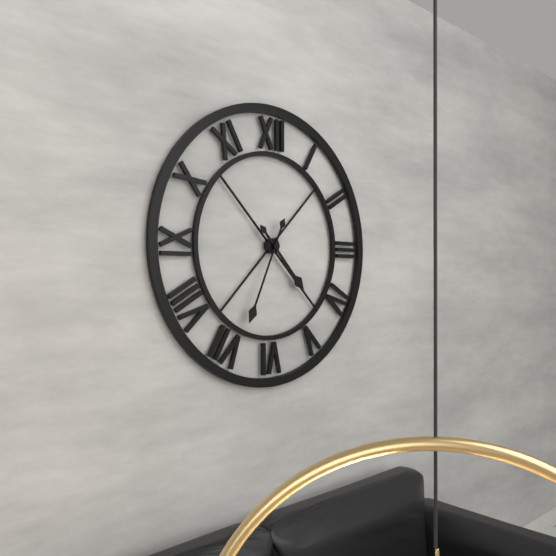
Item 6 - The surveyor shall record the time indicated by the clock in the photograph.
4:34
